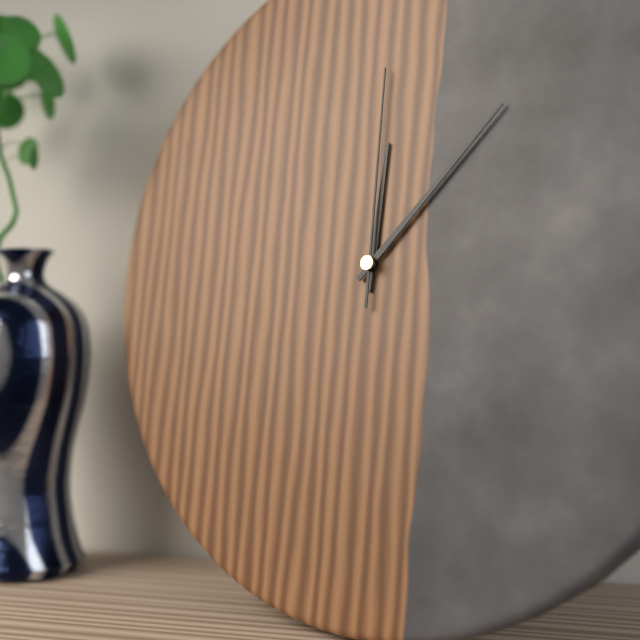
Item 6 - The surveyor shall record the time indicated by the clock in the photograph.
12:07:00
